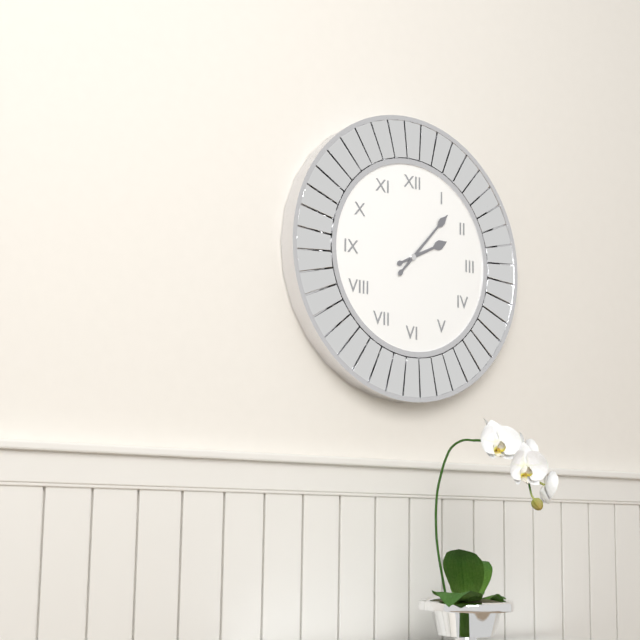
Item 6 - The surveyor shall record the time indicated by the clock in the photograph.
2:07
